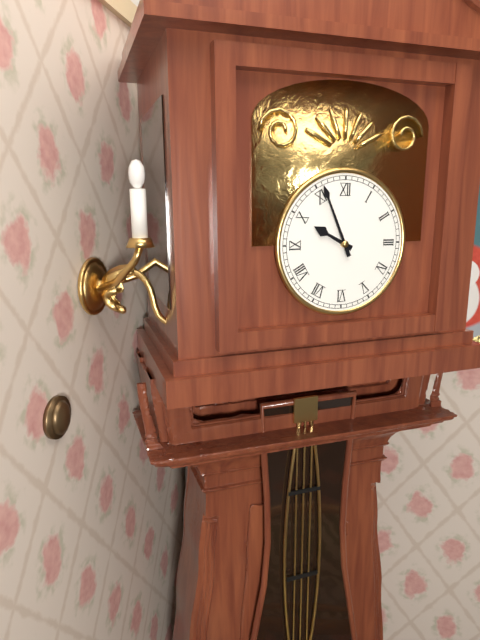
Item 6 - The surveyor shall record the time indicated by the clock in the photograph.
9:56
